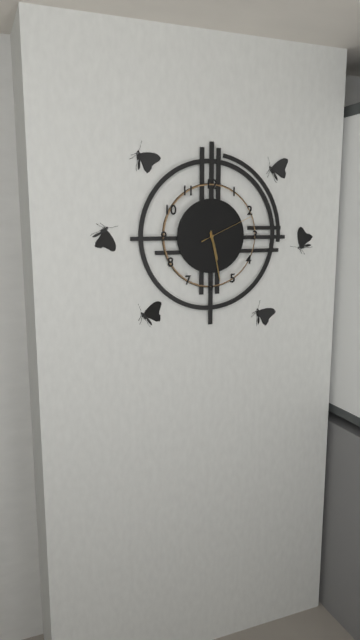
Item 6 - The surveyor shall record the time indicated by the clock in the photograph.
5:28:11
